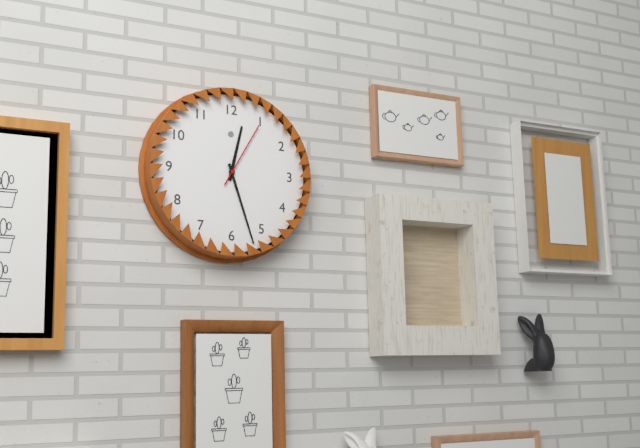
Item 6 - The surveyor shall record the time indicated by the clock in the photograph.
12:27:05
